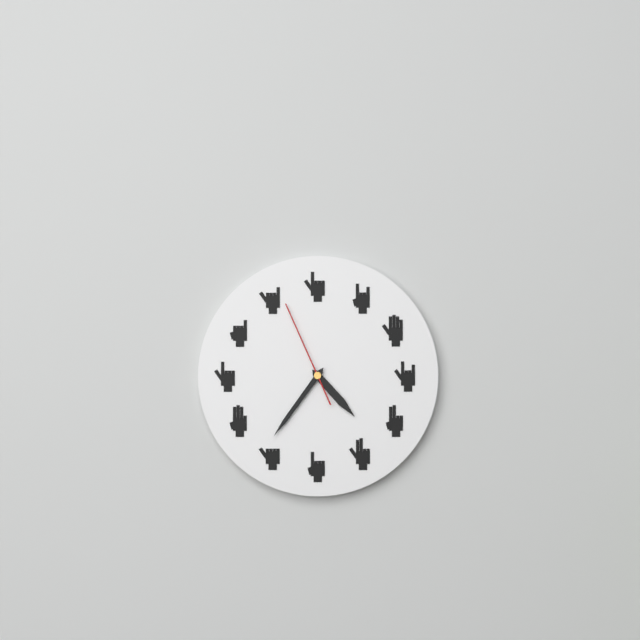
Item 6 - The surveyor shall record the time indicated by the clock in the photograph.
4:36:56
